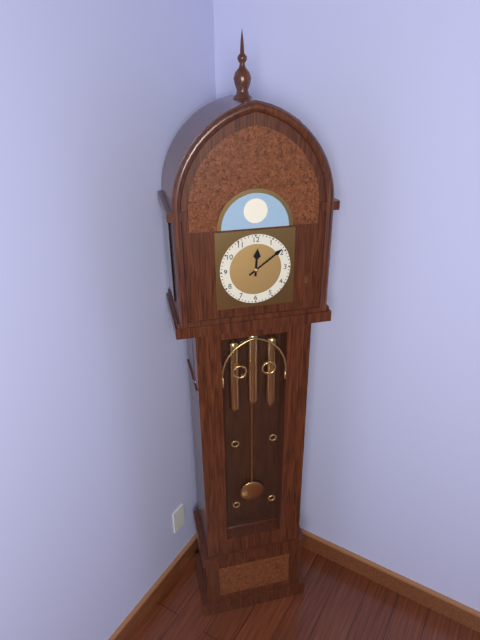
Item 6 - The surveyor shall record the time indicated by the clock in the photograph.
12:09
